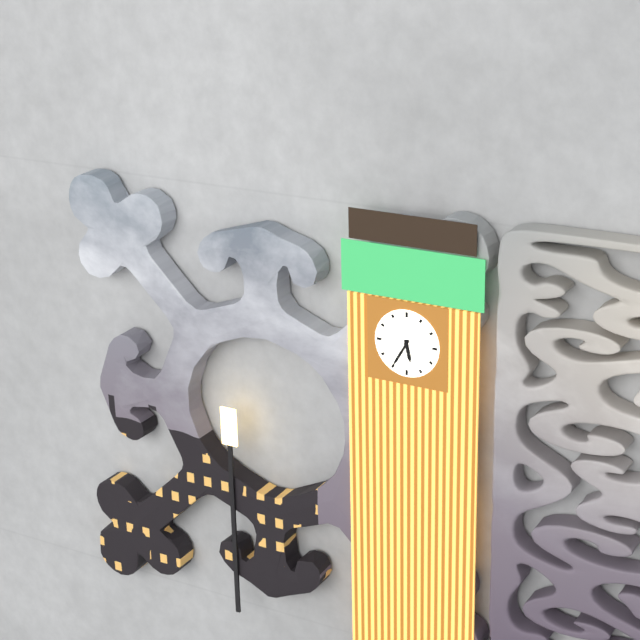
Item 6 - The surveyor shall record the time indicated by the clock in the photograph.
5:35
